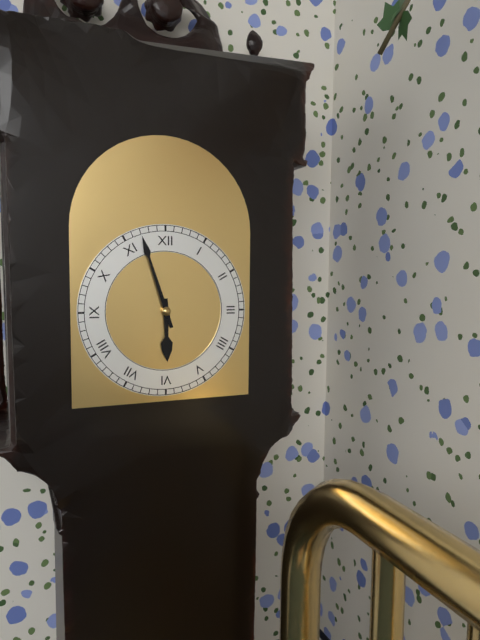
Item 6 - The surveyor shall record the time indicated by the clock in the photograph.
5:57
